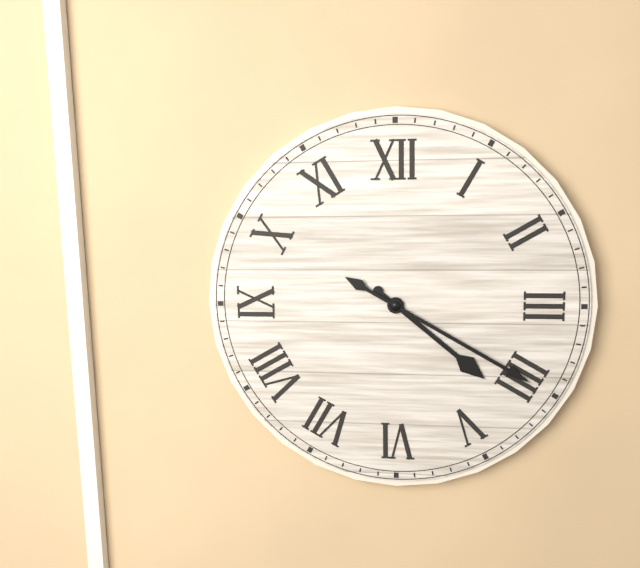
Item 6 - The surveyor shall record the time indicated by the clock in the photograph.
4:20
